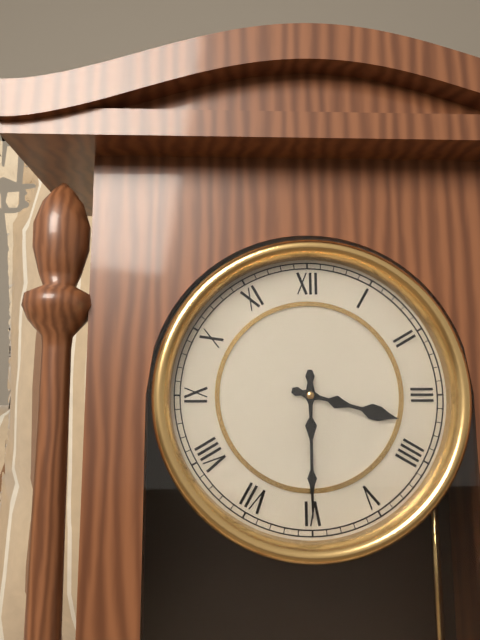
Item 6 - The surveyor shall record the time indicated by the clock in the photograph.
3:30
